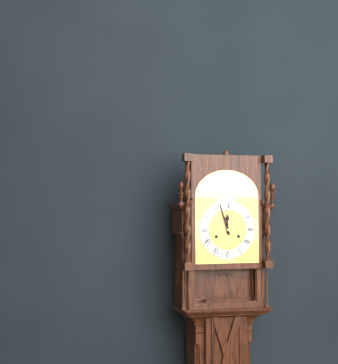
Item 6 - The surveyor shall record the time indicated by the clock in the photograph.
11:57
